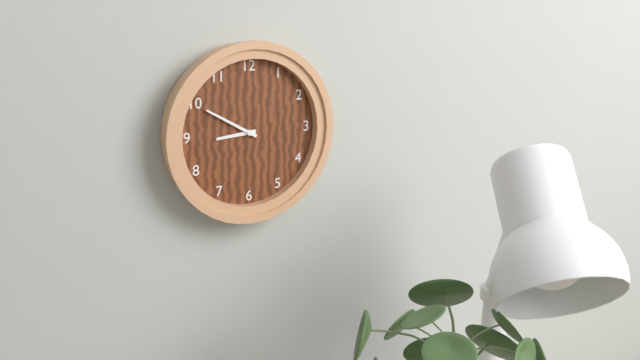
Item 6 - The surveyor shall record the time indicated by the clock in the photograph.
8:50
